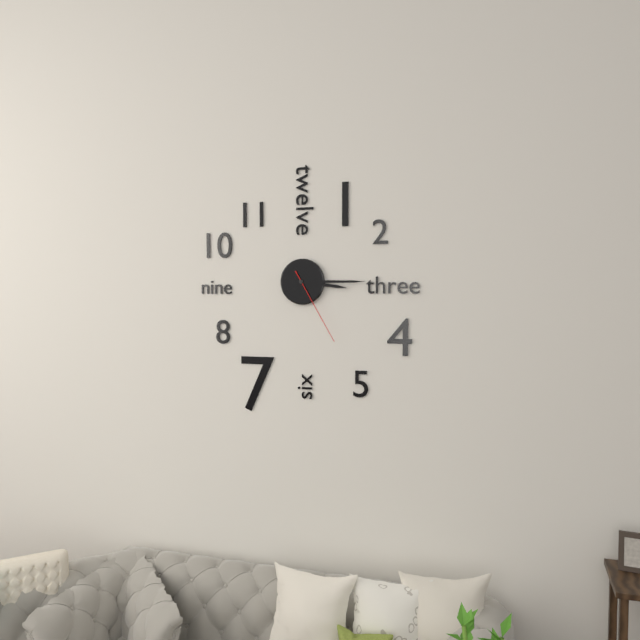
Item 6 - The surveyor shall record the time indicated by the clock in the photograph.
3:15:25
